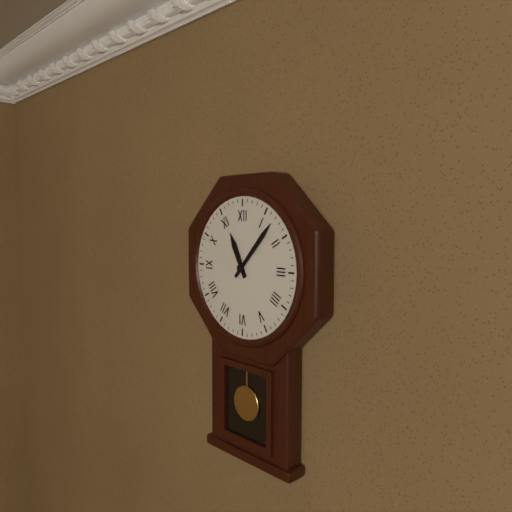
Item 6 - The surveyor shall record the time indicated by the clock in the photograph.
11:07
